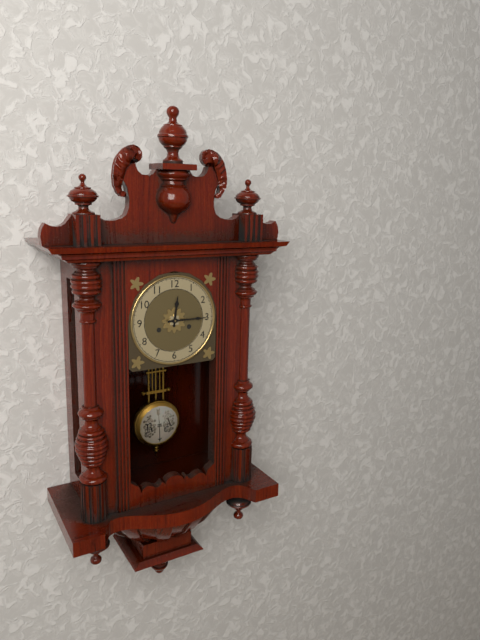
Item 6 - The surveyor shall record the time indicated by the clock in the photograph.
12:15
